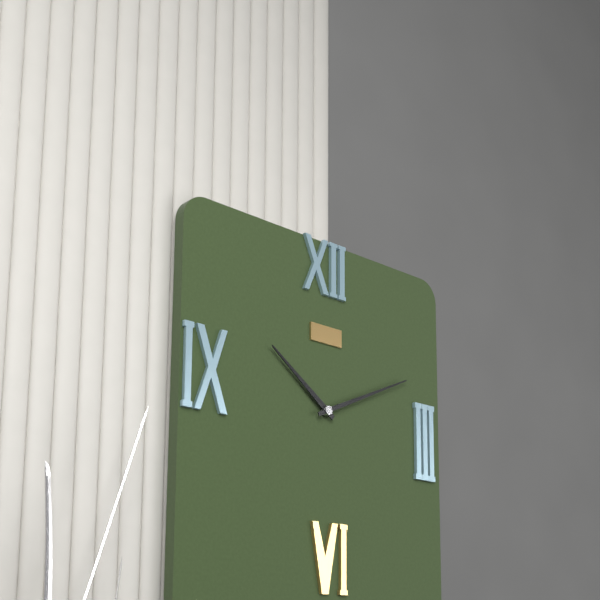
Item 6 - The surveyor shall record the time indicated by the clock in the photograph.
10:11
